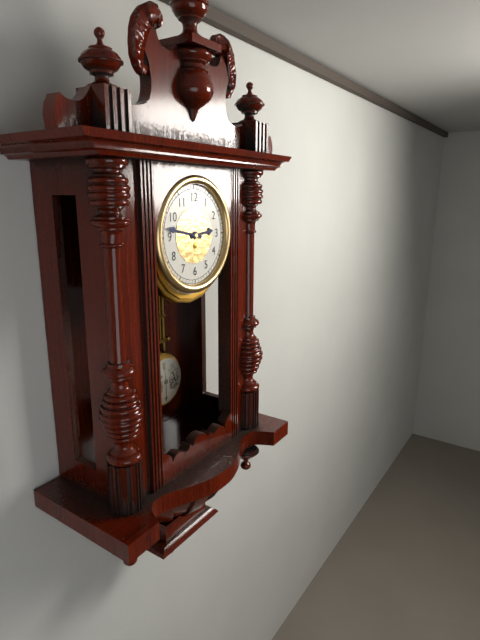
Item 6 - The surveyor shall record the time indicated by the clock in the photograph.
2:47
